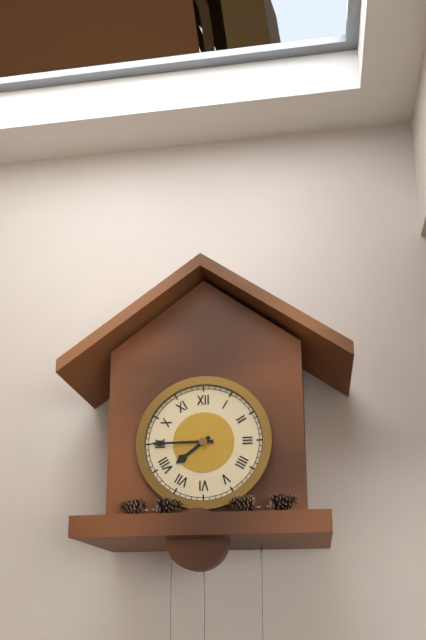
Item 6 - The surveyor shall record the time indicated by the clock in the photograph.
7:45
